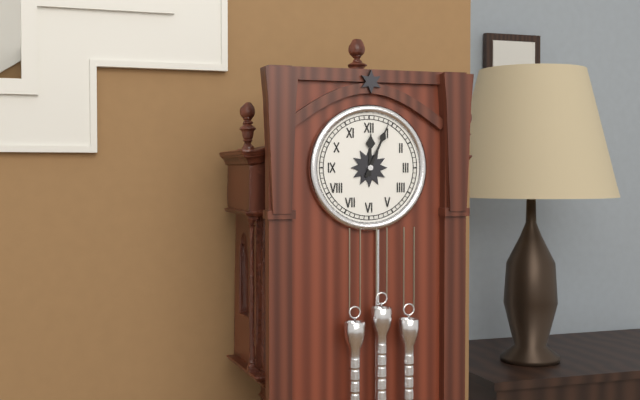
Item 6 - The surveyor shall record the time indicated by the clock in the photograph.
12:04
